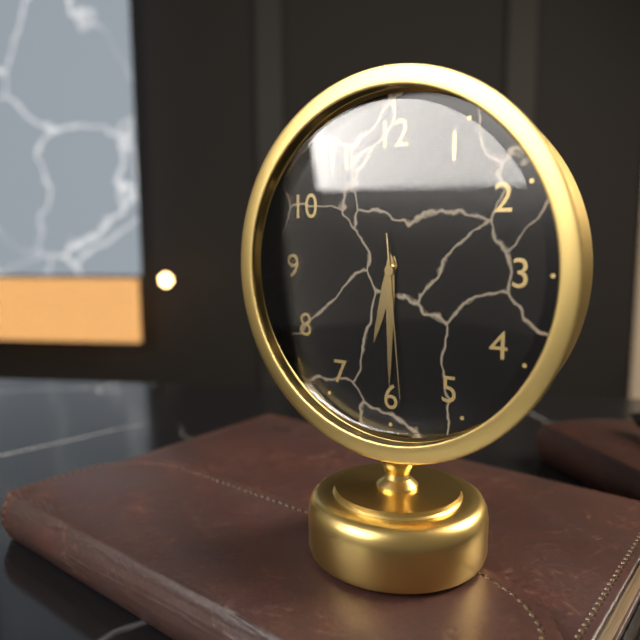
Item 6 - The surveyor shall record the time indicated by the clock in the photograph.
6:30:29
